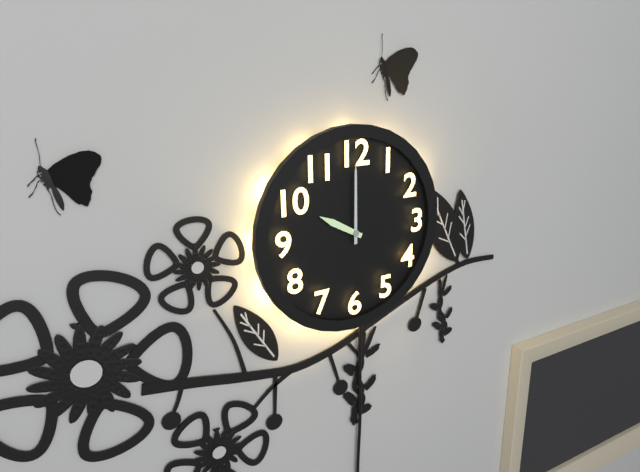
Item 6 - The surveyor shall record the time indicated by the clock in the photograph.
10:00
